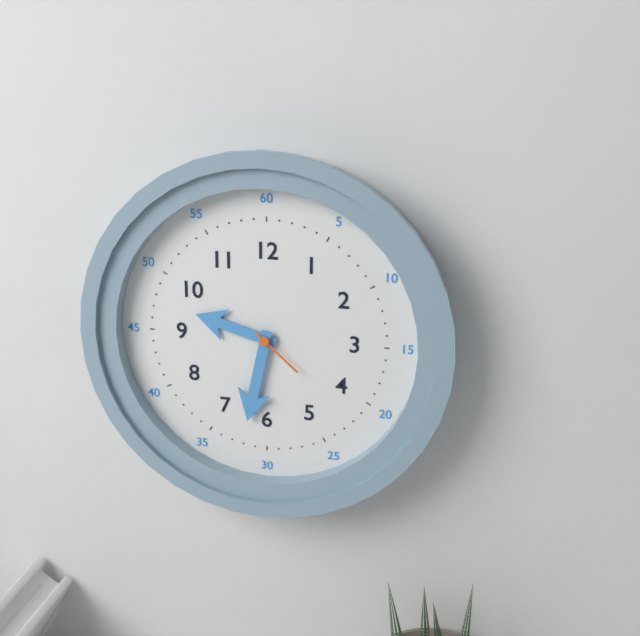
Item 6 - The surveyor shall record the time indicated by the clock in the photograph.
9:32:22
